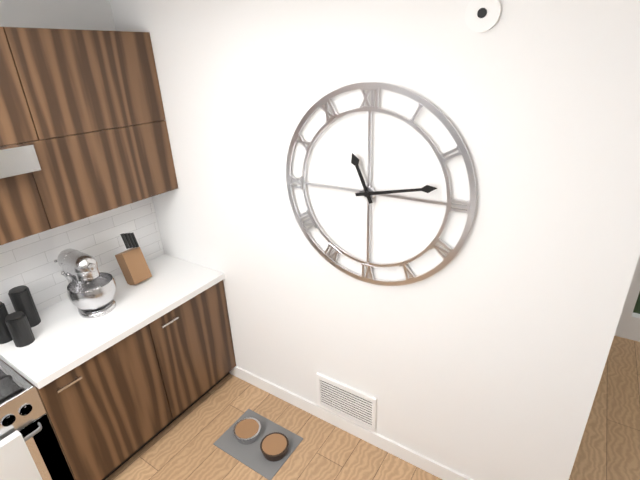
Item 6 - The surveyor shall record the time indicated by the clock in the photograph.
11:13
